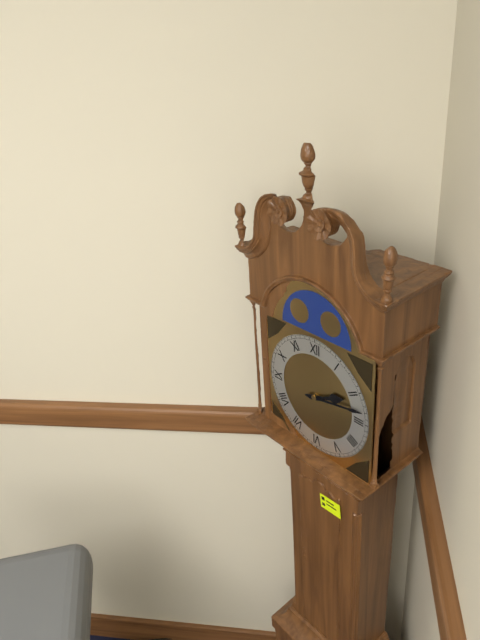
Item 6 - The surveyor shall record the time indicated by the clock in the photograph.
2:13
